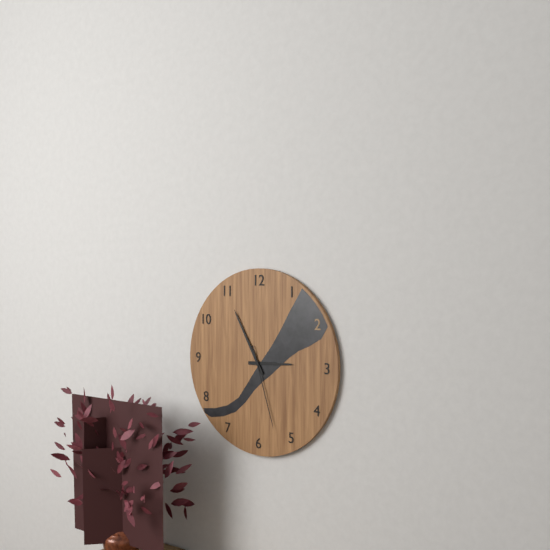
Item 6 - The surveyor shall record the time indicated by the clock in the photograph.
2:55:27
